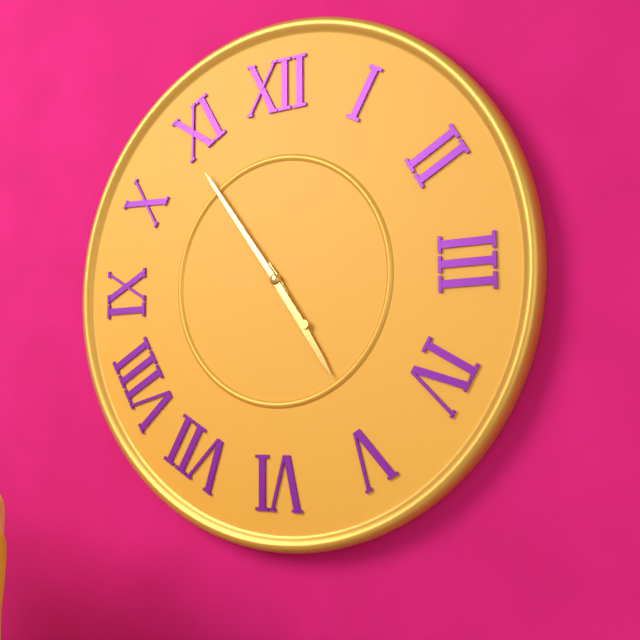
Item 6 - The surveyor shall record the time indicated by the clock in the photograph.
4:54
